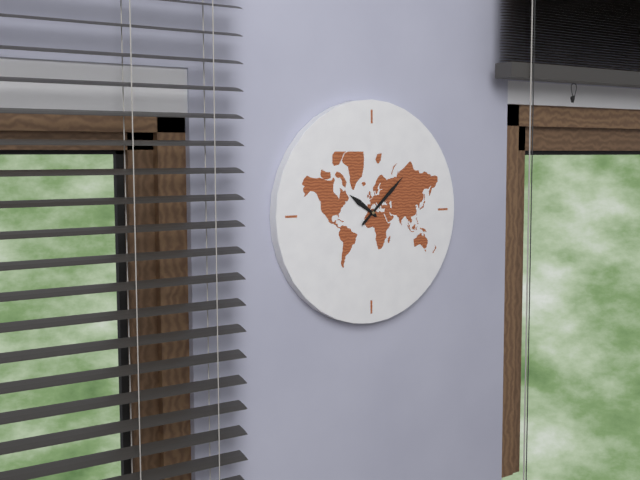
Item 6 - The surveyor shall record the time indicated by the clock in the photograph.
10:08
